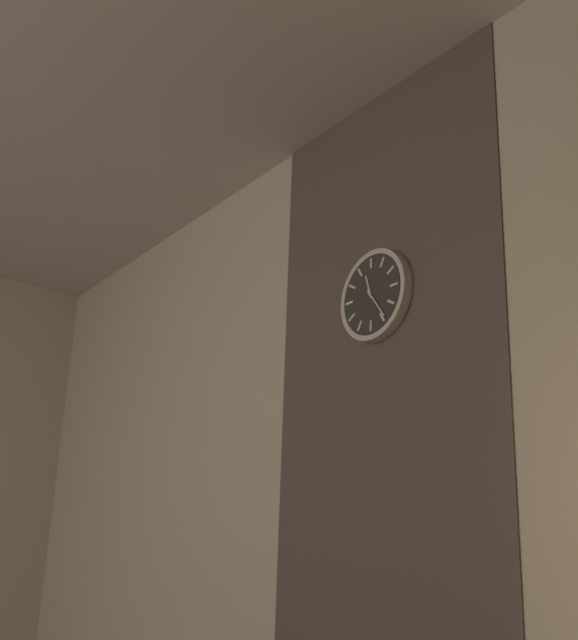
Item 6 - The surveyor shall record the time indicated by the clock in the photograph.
11:24
